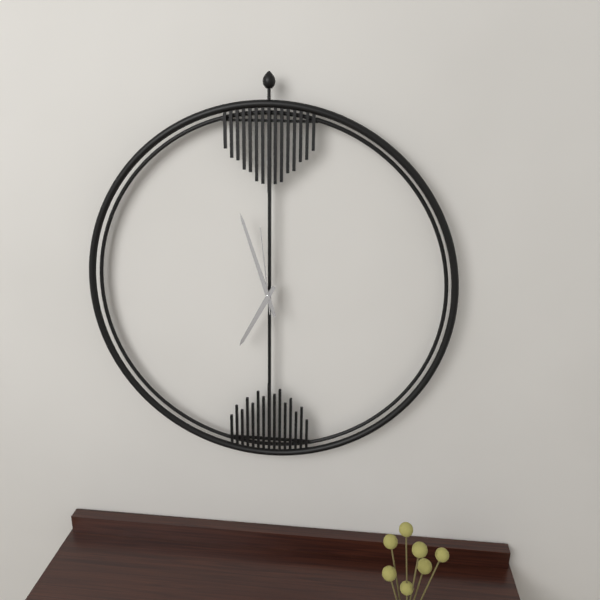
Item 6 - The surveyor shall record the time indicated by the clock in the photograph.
6:57:59
